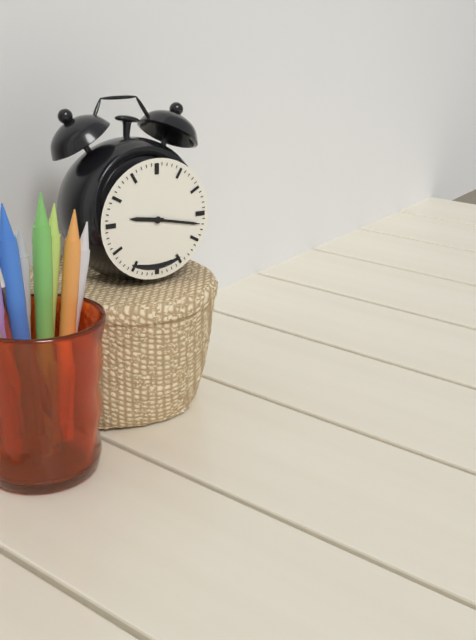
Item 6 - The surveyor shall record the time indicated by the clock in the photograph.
9:17
